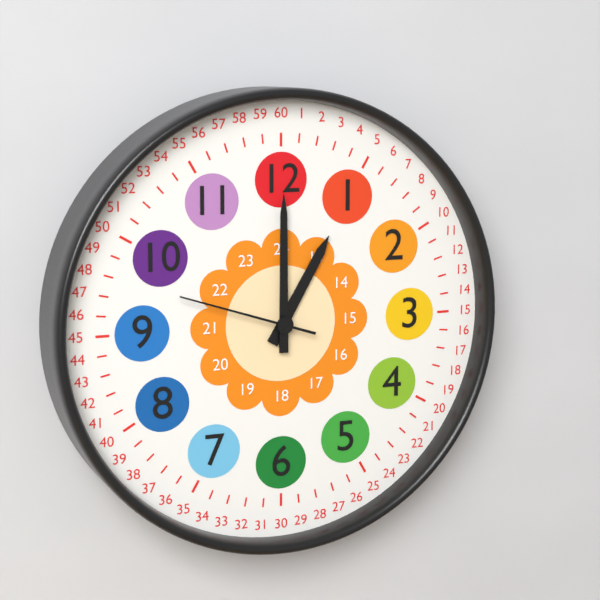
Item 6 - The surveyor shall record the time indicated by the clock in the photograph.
1:00:48
